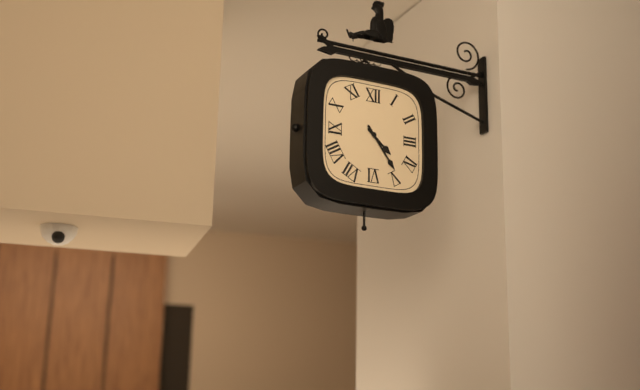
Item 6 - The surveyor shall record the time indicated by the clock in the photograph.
4:24
